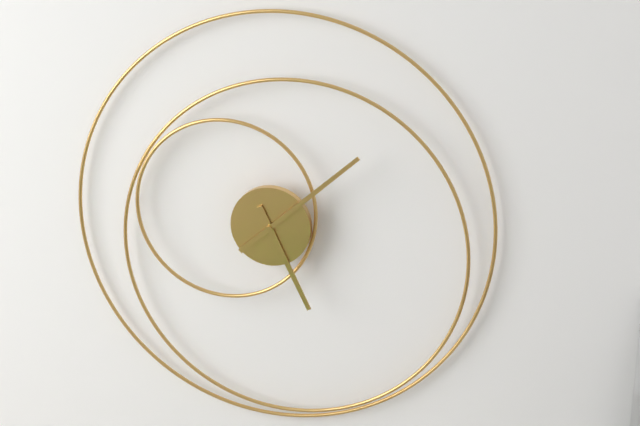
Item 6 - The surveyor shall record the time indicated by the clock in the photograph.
5:08
